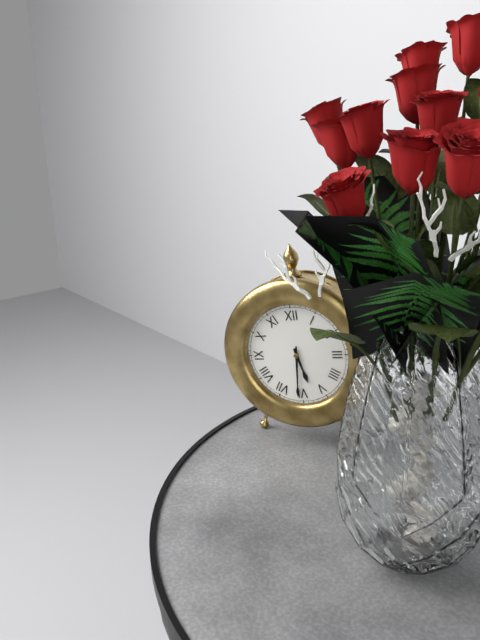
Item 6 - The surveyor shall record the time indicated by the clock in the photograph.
5:31
